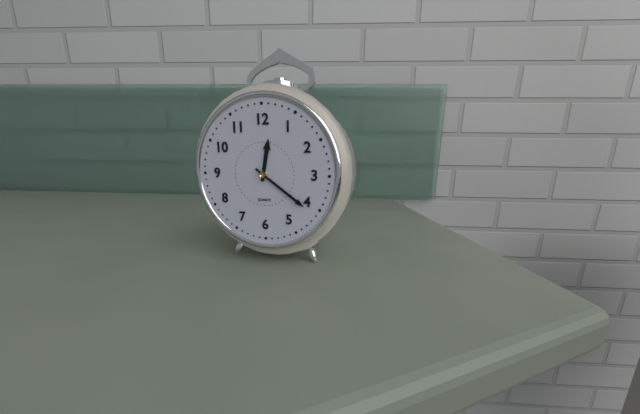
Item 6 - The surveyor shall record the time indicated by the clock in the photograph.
12:21
